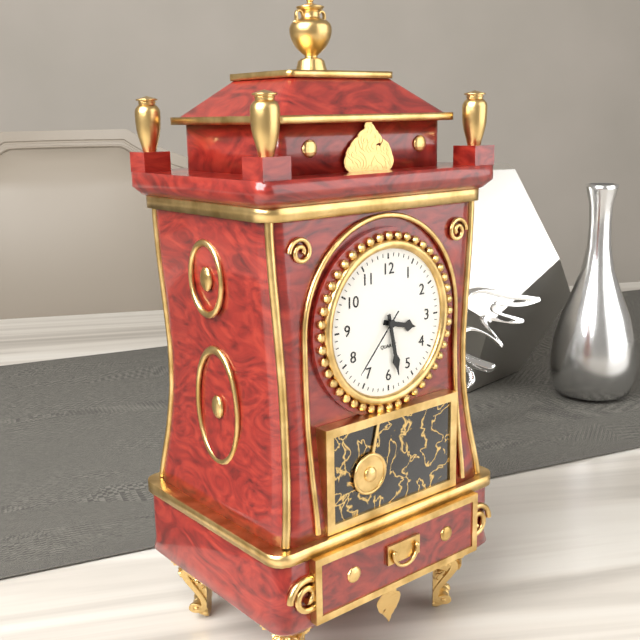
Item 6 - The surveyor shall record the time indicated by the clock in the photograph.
3:28:37
